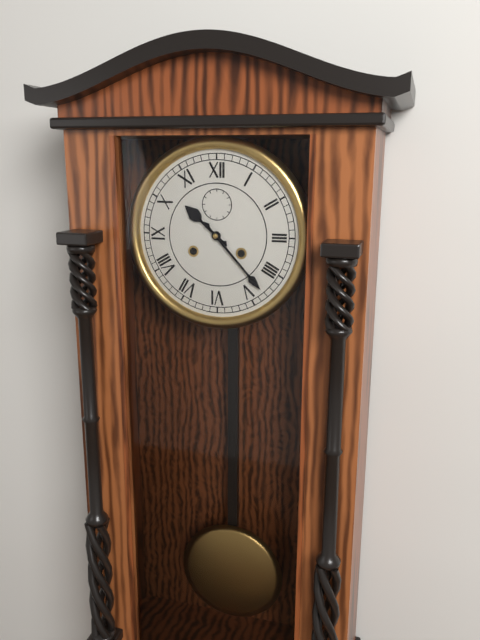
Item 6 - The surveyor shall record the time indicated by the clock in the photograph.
10:23
